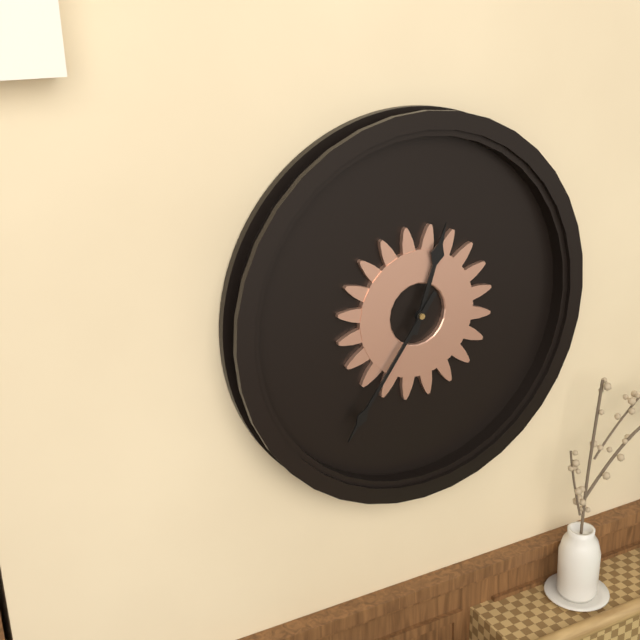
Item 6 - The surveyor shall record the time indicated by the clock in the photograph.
12:36
